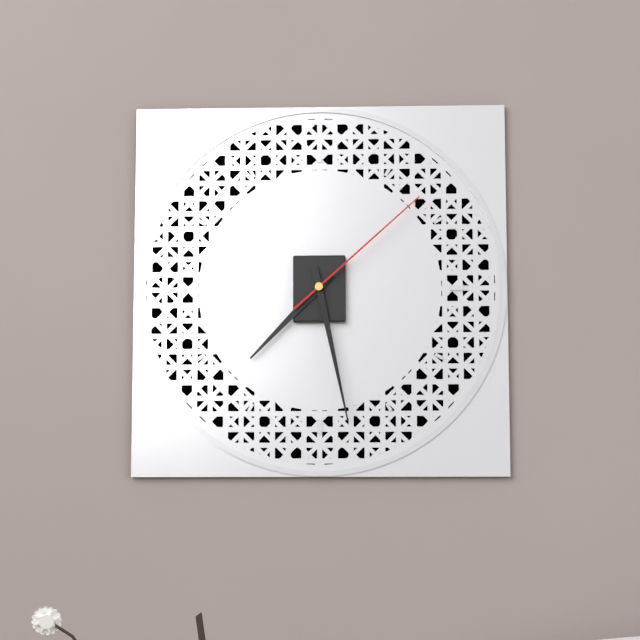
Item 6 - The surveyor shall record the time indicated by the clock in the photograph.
7:28:08
